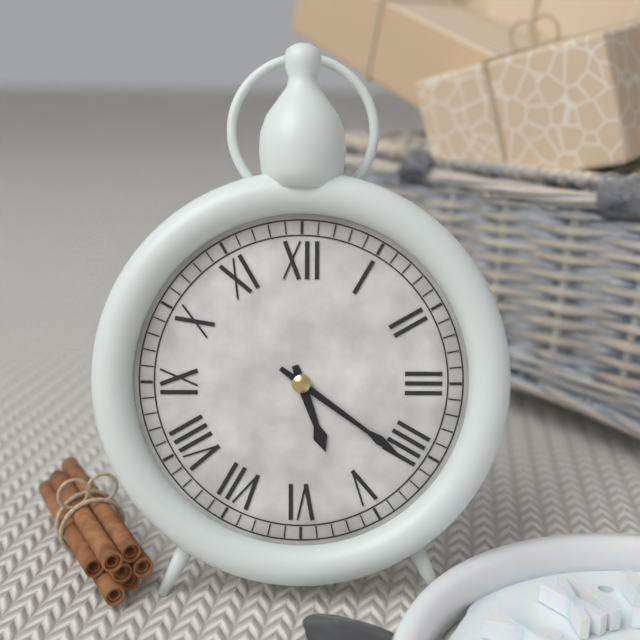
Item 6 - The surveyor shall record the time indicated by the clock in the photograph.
5:21
